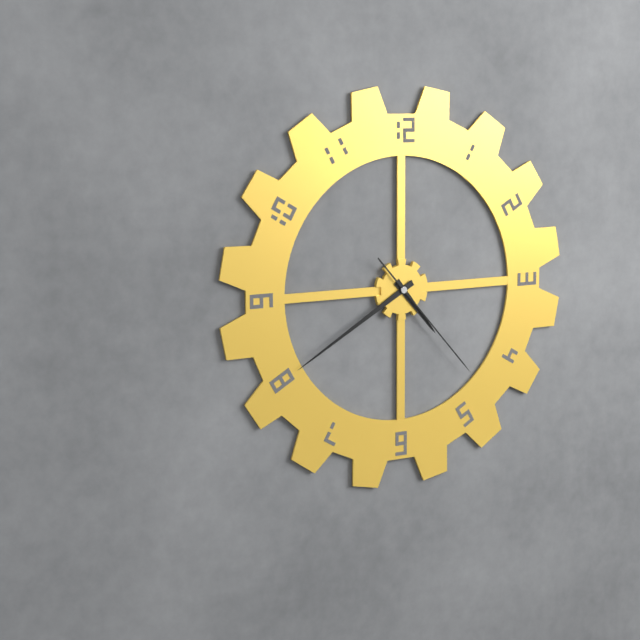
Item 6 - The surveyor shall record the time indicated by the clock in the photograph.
4:40:23
